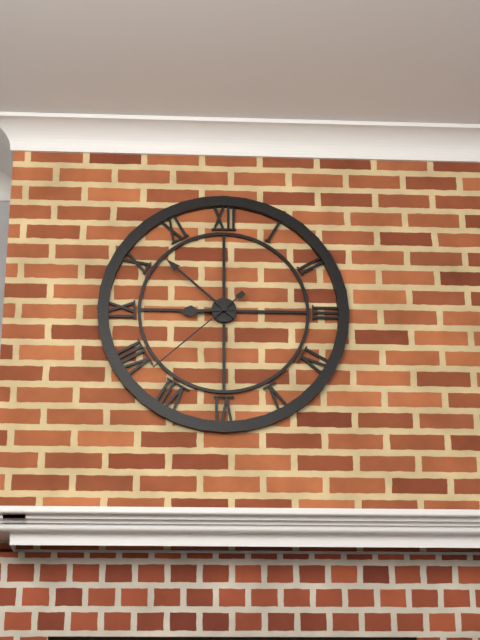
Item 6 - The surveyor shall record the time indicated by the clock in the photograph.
8:52:38
